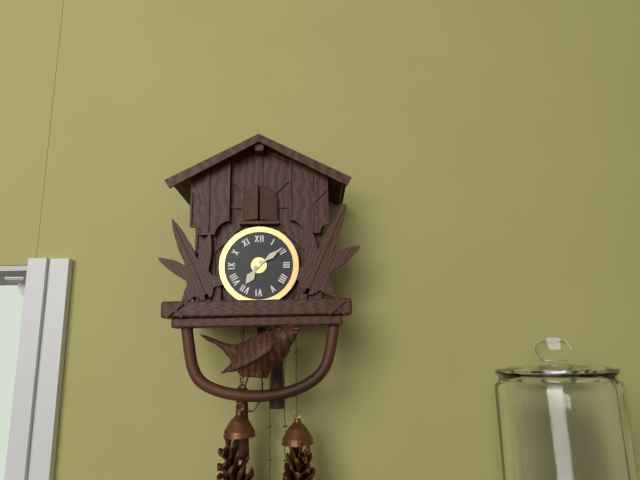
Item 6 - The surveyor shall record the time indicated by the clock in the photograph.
7:09
